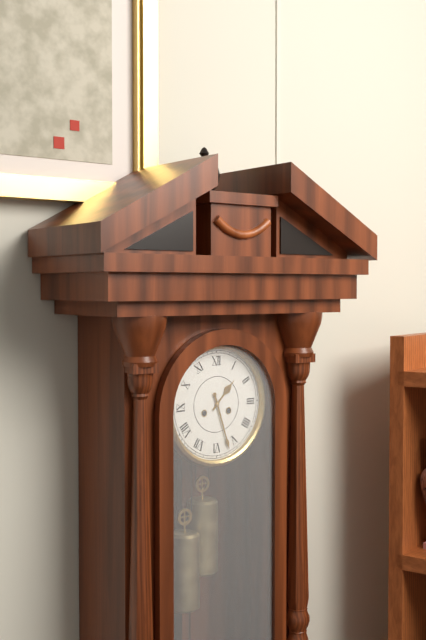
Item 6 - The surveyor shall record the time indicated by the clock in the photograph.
1:27
